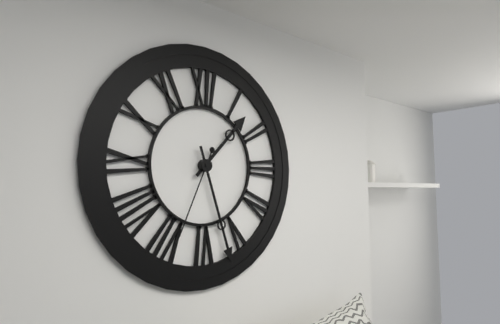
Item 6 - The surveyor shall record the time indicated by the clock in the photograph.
1:27:34
